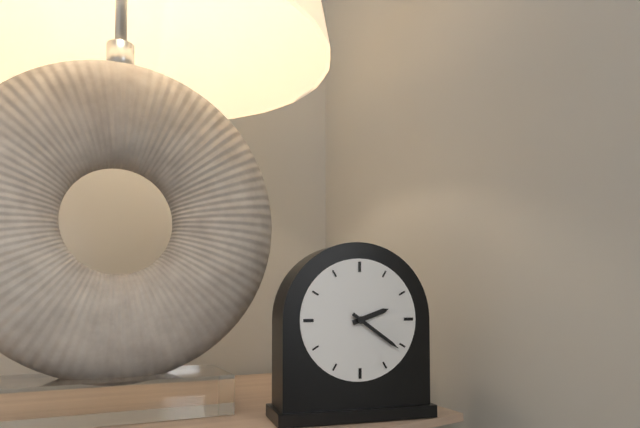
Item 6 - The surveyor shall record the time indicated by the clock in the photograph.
2:21
